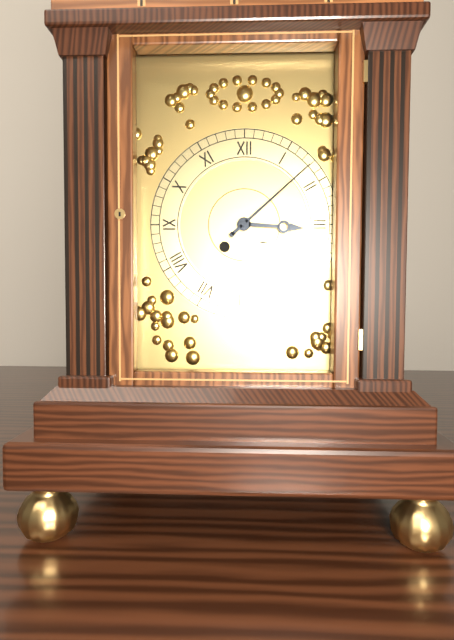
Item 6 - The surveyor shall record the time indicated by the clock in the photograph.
3:08
